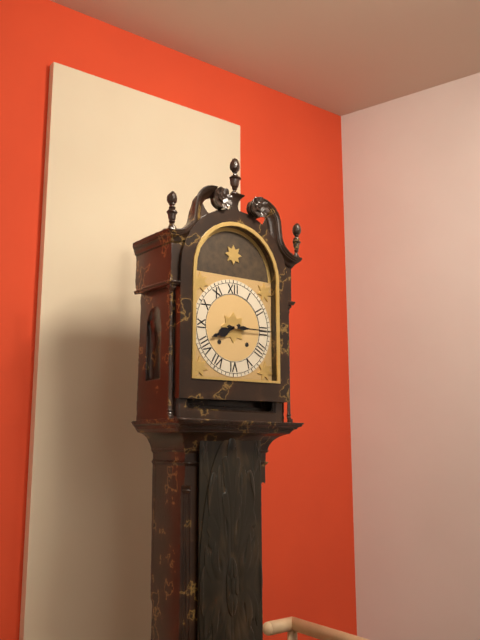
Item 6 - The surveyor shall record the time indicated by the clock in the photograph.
8:15
